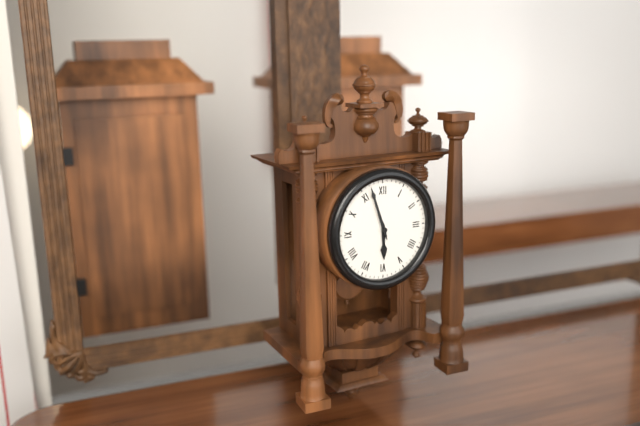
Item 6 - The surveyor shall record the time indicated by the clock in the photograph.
5:57
